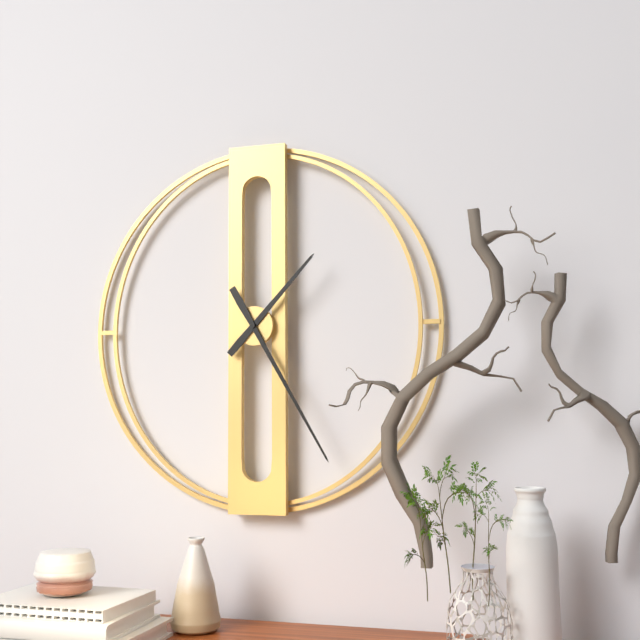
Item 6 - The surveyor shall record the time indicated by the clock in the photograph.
1:25
